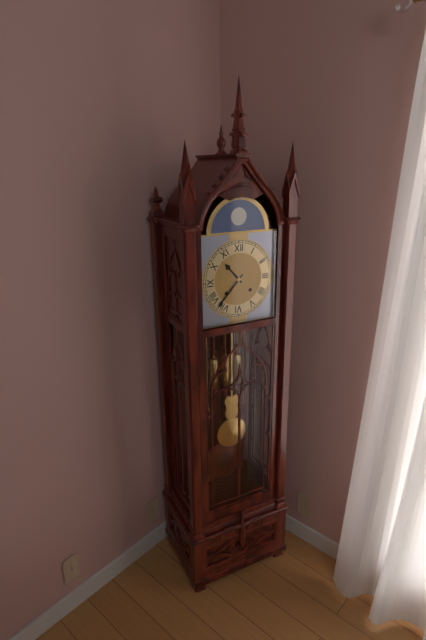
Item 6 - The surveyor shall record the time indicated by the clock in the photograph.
10:37
